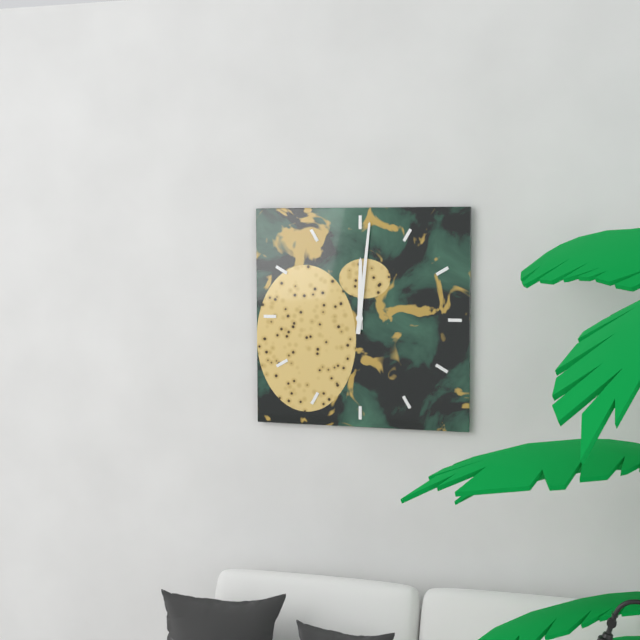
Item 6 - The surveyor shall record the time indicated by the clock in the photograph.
12:01
